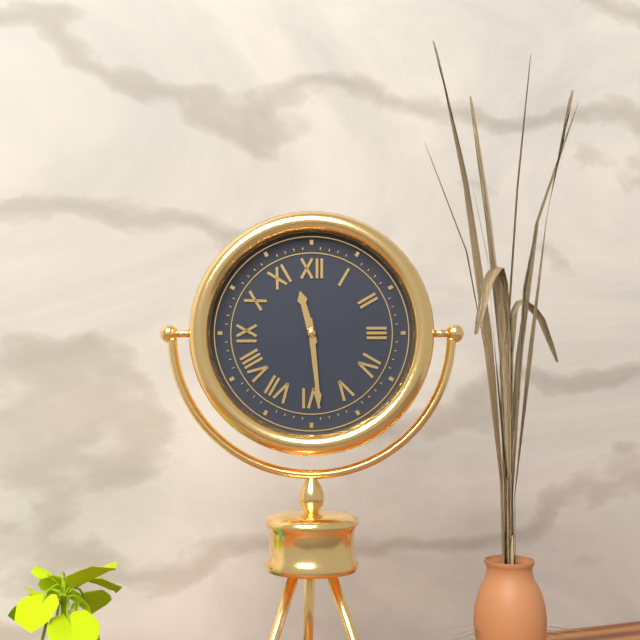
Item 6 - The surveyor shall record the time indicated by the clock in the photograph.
11:29
